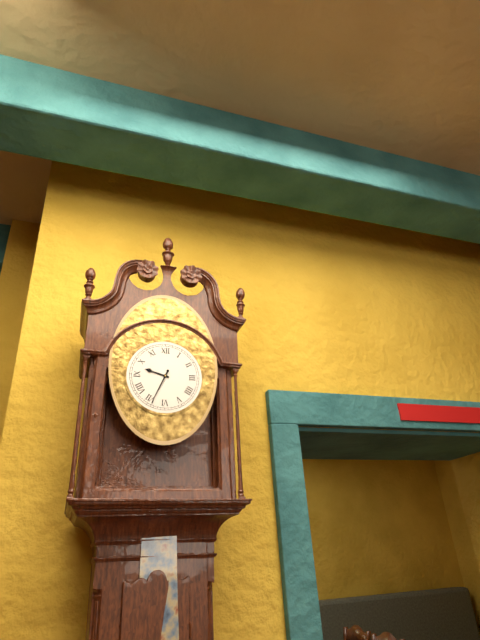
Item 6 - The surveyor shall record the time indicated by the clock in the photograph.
9:34
